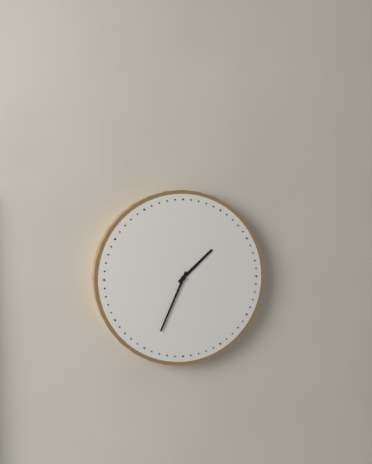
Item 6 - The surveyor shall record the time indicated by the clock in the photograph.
1:34
